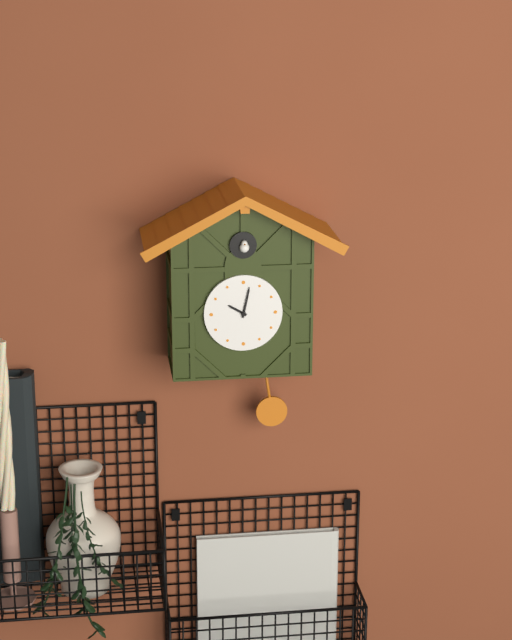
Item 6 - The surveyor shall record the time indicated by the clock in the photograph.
10:02
